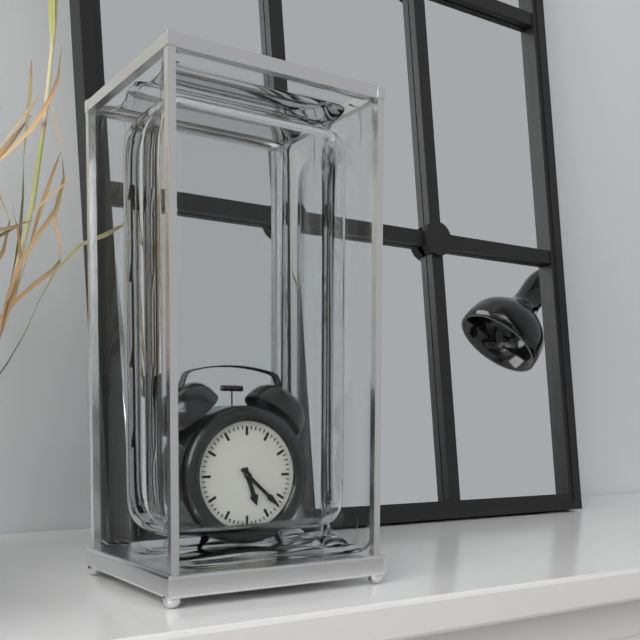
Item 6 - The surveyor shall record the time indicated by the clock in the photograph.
5:22
